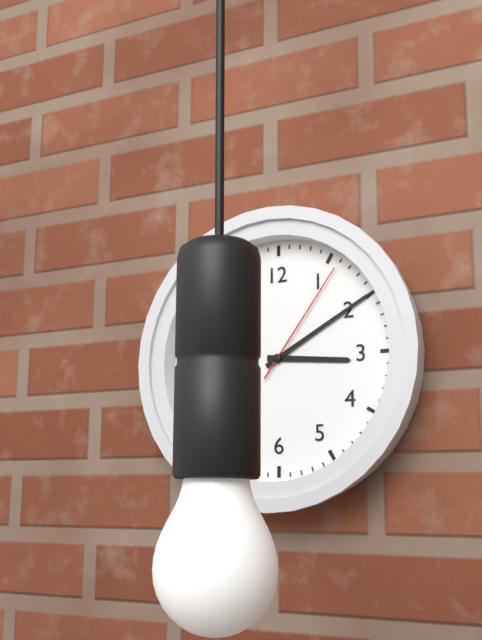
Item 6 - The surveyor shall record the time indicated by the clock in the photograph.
3:10:06
